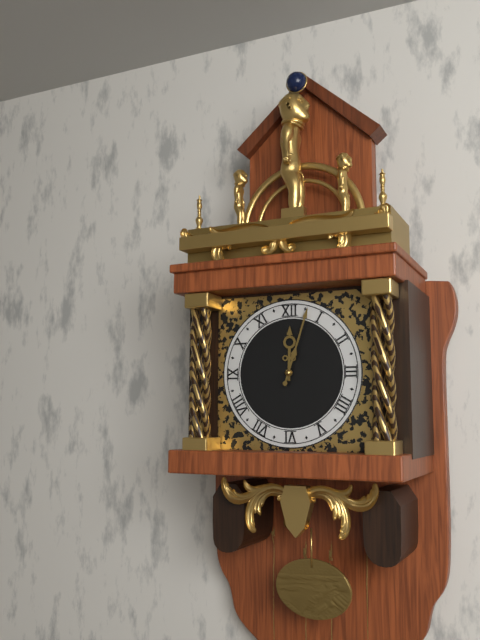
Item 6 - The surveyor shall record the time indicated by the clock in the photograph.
12:03
